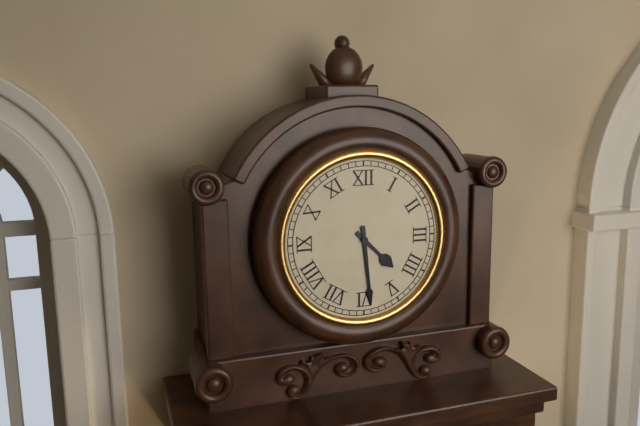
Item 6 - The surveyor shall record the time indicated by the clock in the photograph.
4:29
